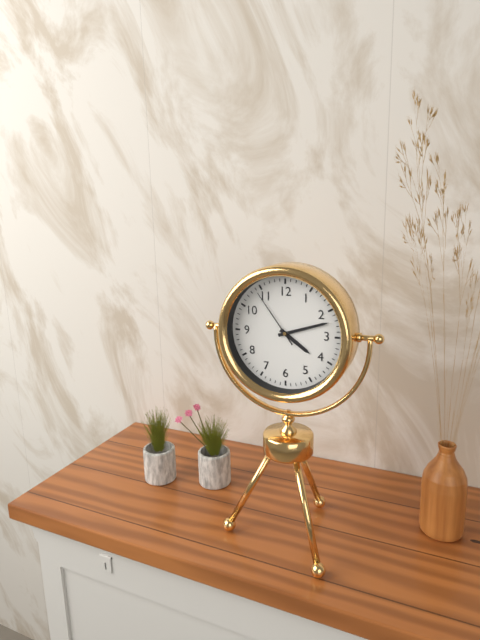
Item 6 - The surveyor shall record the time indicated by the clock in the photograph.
4:12:54
